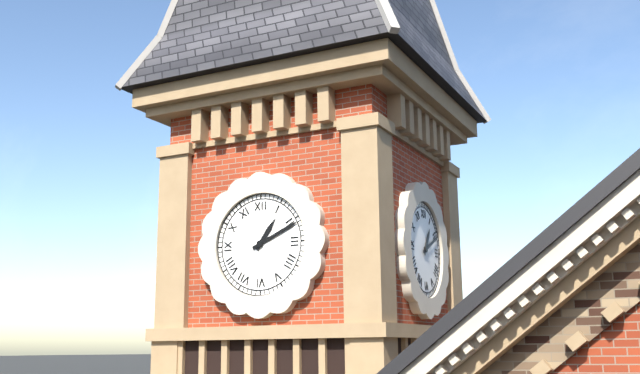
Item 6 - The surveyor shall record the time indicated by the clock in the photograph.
1:11
